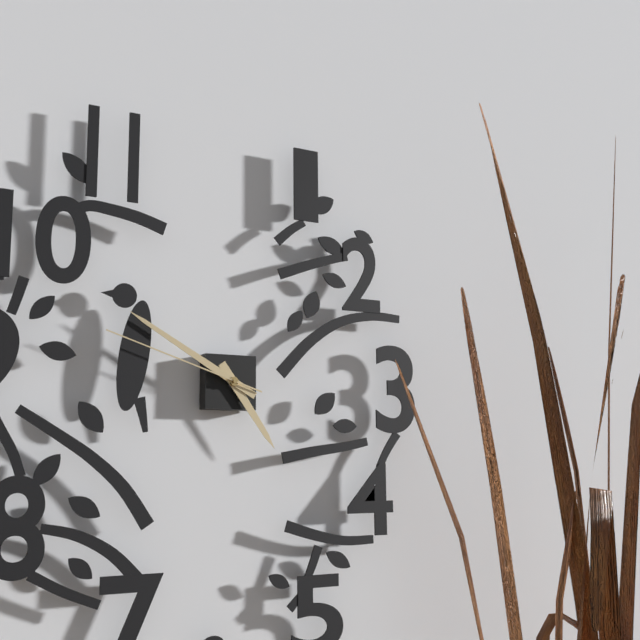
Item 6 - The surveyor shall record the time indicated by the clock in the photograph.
4:50:48
